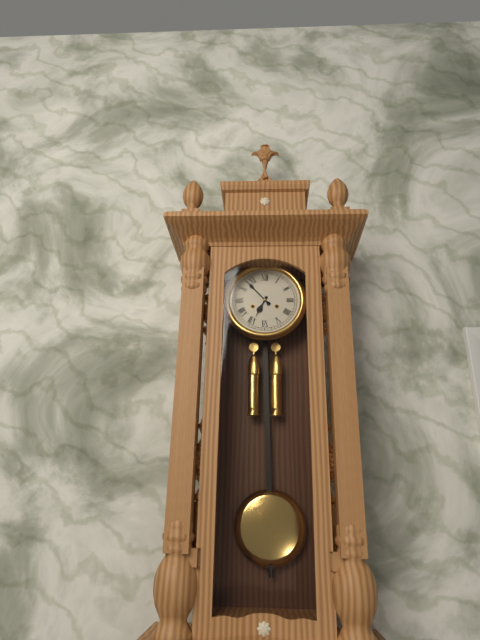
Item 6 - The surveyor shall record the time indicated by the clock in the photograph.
6:53
